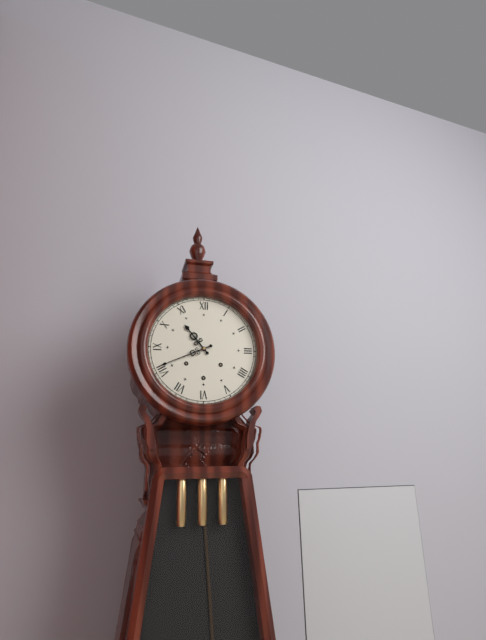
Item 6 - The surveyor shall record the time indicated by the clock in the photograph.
10:41
